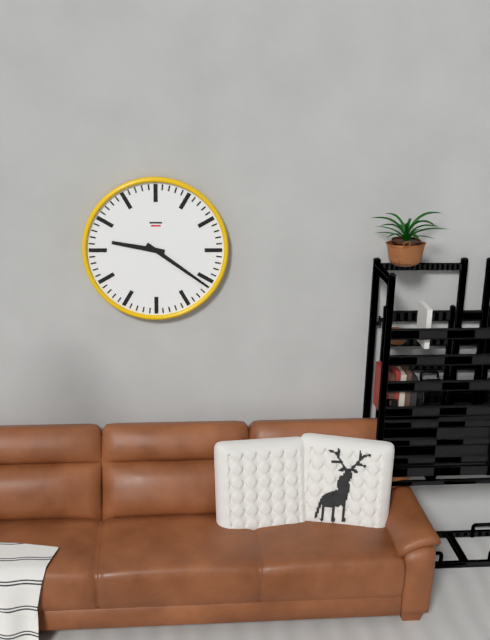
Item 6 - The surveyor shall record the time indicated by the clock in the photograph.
9:21
